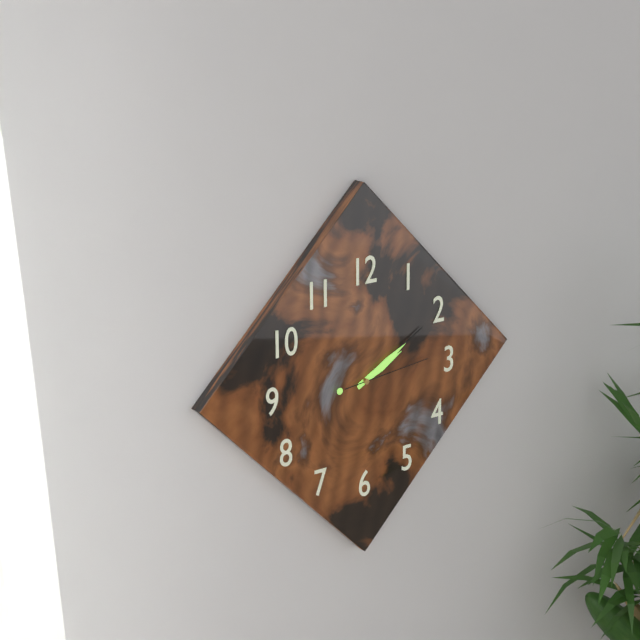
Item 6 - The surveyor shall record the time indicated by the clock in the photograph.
2:10:14
